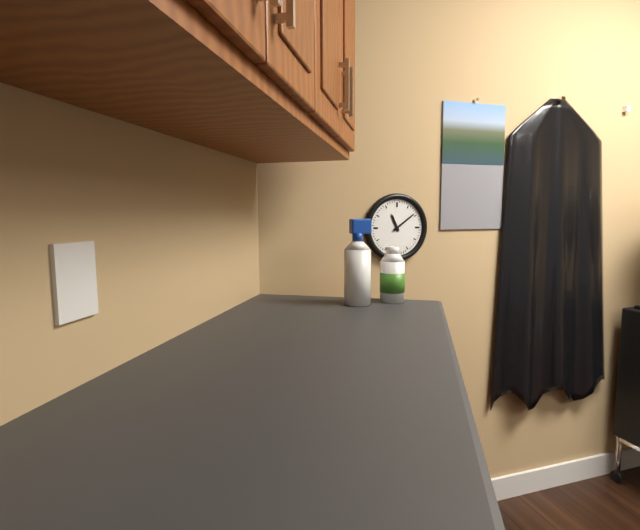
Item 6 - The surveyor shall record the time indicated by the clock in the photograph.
11:09
